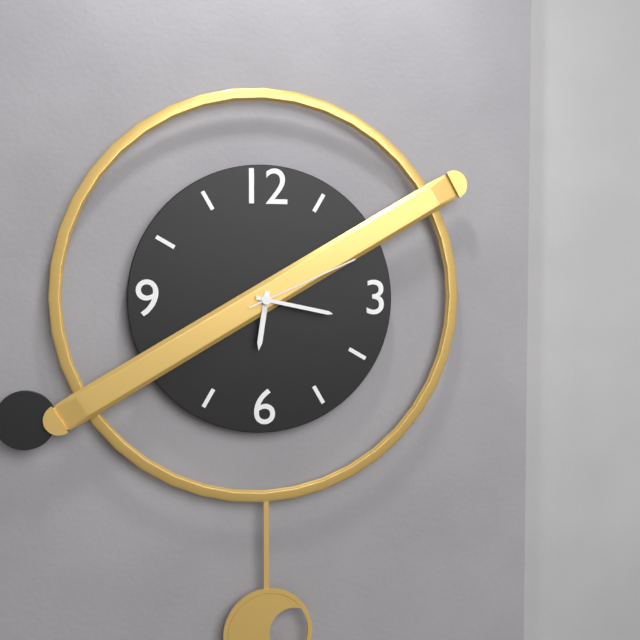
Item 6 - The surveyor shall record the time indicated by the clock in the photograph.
6:17:11
